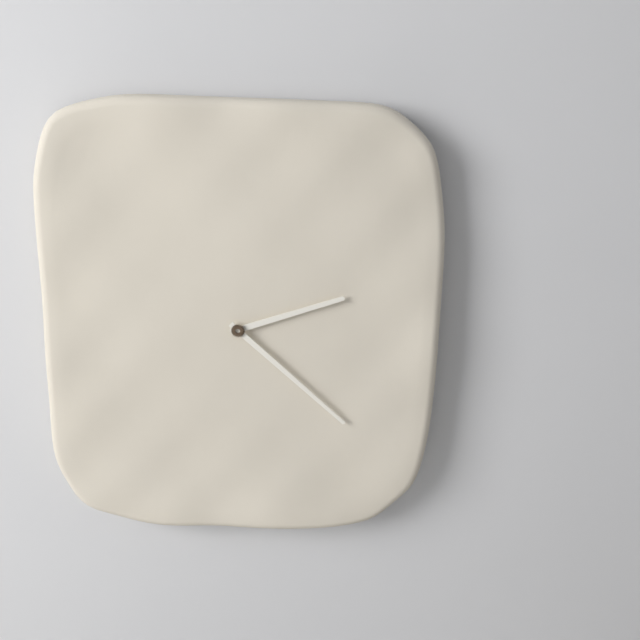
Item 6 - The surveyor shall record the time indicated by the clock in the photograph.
2:22
